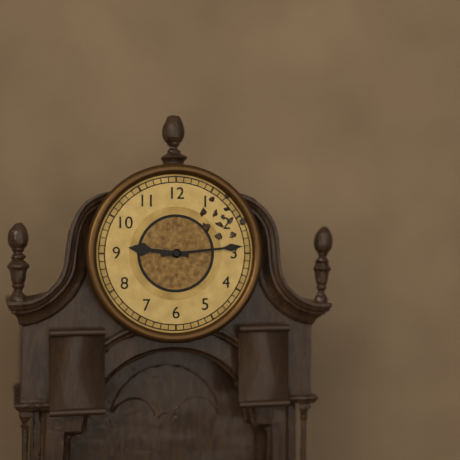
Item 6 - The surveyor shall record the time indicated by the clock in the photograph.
9:14
